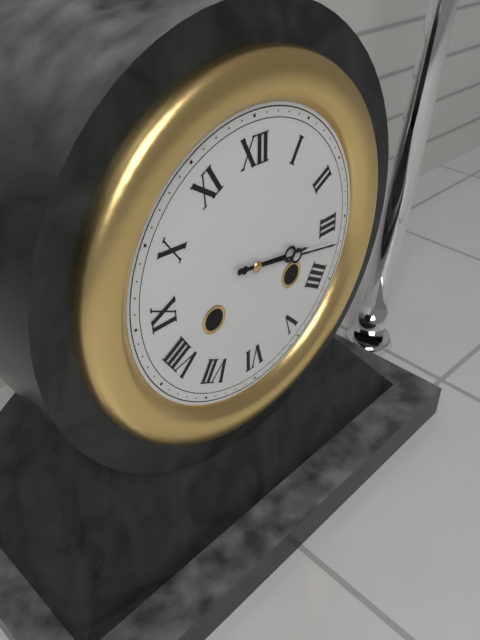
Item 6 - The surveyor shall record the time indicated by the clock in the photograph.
3:17
